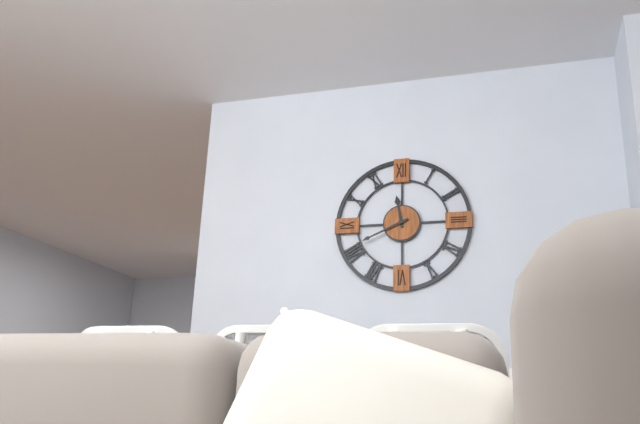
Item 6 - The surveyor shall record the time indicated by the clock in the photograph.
11:41
